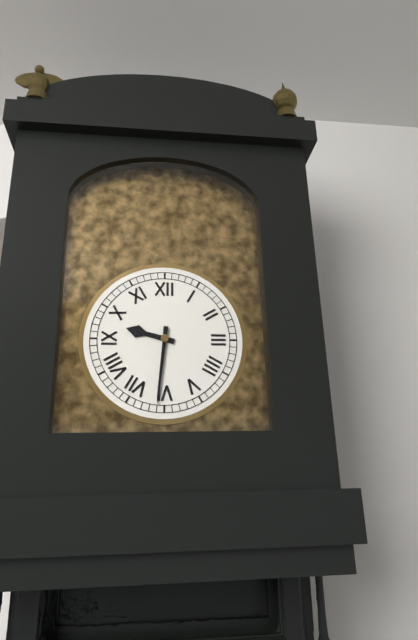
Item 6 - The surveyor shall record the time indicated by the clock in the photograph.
9:31
